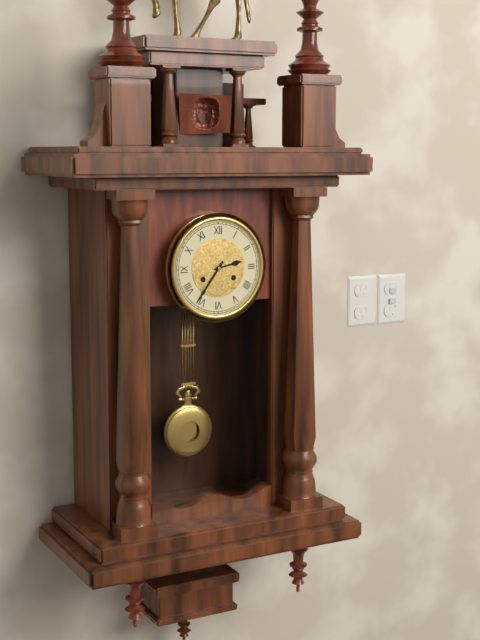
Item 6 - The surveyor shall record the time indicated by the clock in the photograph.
2:36
